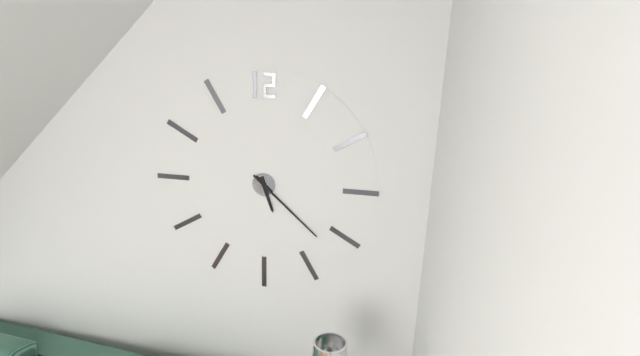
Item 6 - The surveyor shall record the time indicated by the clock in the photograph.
5:22
